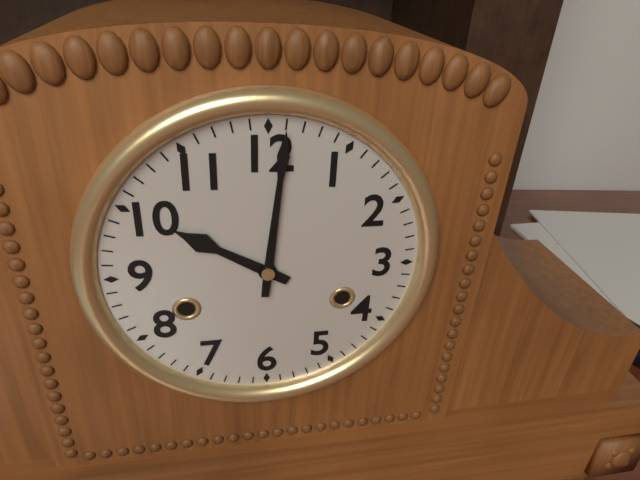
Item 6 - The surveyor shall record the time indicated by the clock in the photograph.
10:01
